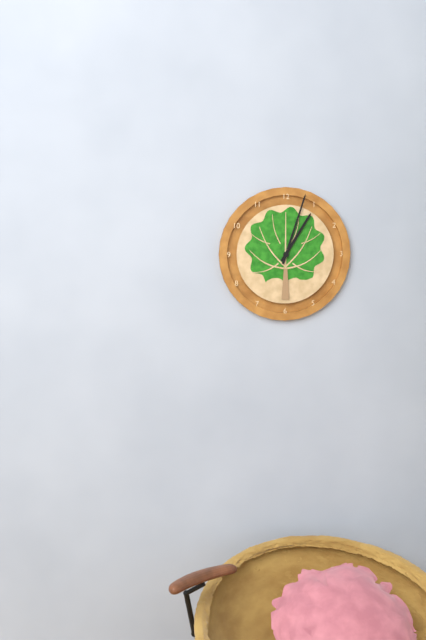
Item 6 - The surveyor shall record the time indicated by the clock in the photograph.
1:03
